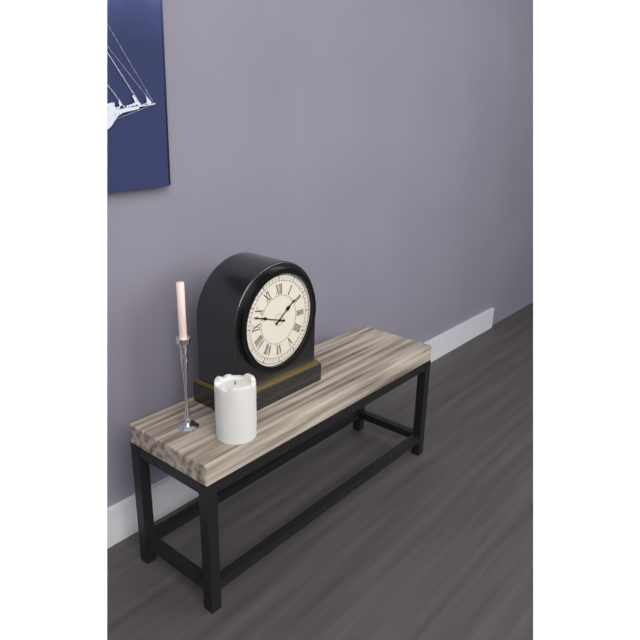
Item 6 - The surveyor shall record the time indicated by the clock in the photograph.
1:48
